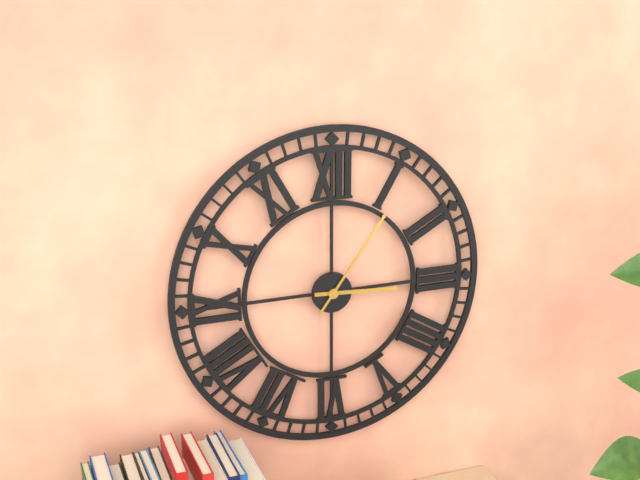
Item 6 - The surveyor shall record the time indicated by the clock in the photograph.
3:06
